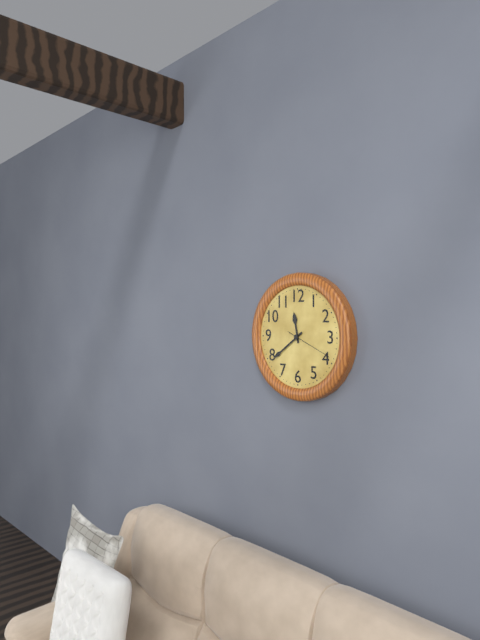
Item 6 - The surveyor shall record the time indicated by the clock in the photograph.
11:39
